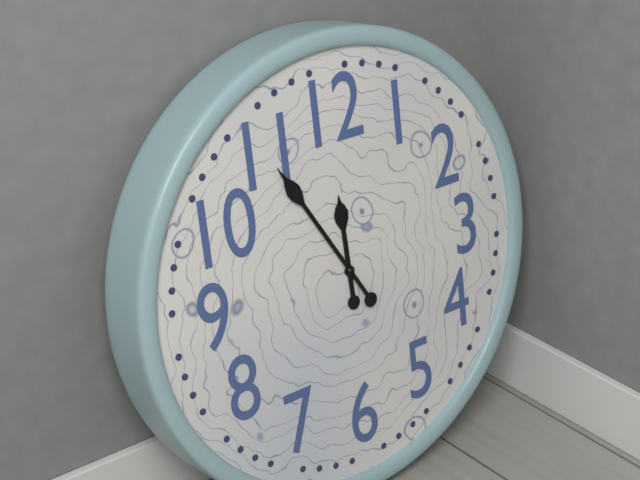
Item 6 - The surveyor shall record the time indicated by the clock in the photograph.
11:55
